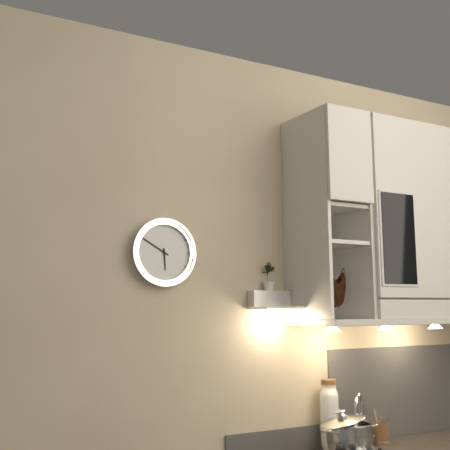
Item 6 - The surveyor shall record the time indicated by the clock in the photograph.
5:50
